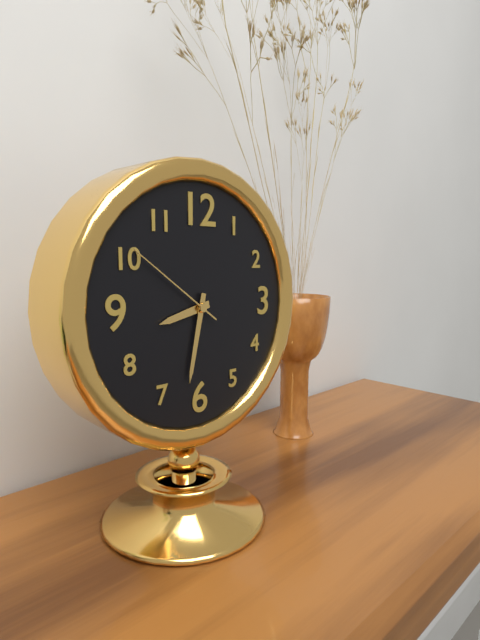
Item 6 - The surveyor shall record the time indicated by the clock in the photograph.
8:32:51
